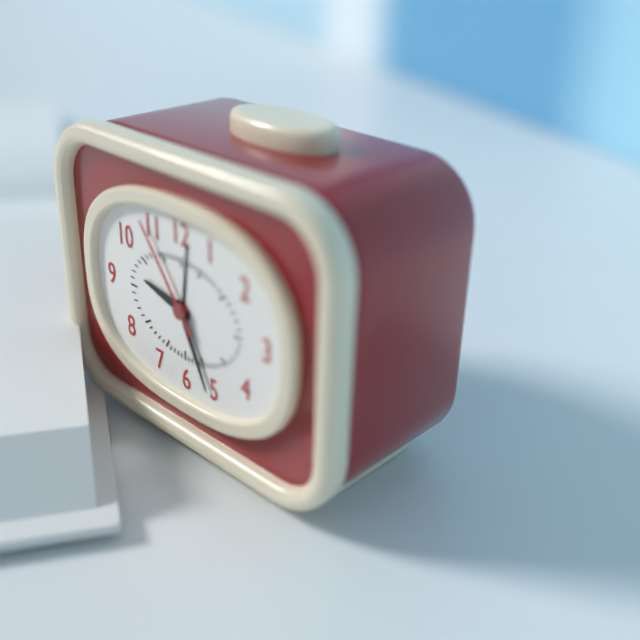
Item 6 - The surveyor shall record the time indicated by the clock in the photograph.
9:26:54
